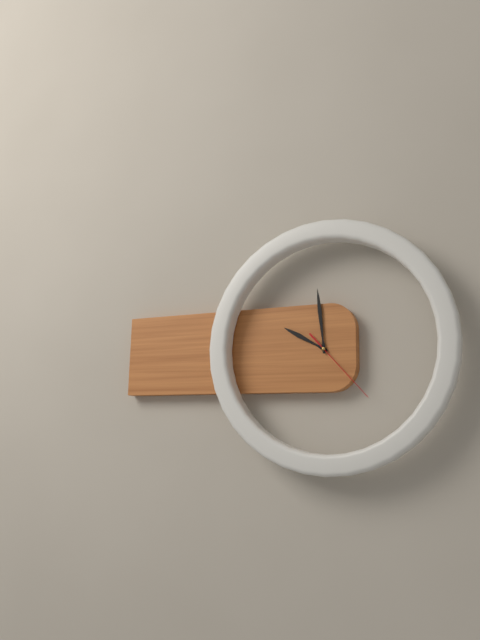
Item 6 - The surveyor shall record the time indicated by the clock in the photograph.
9:59:23
